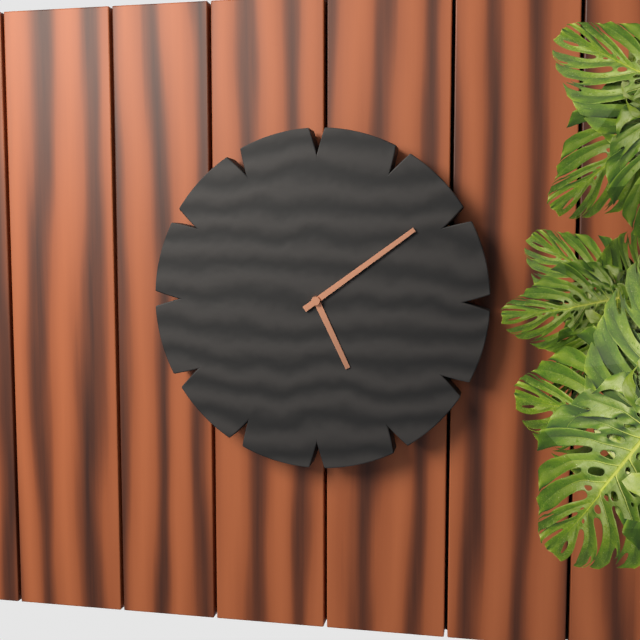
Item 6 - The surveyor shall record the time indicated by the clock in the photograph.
5:09
